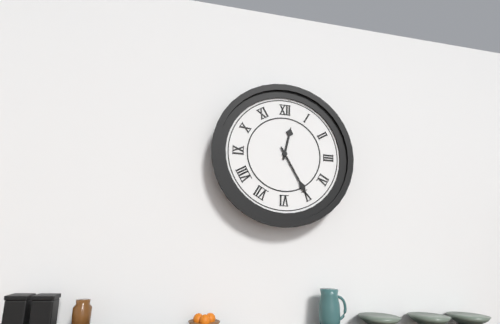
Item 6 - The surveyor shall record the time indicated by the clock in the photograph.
12:25
